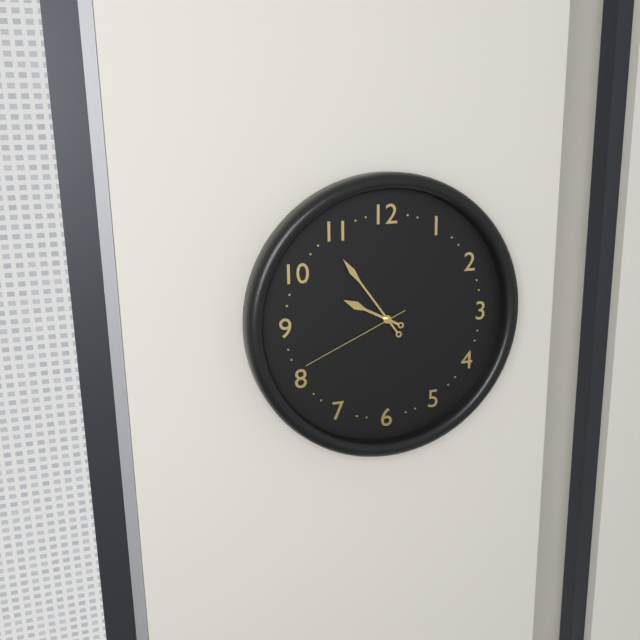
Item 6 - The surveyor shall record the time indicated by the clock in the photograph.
9:54:41
